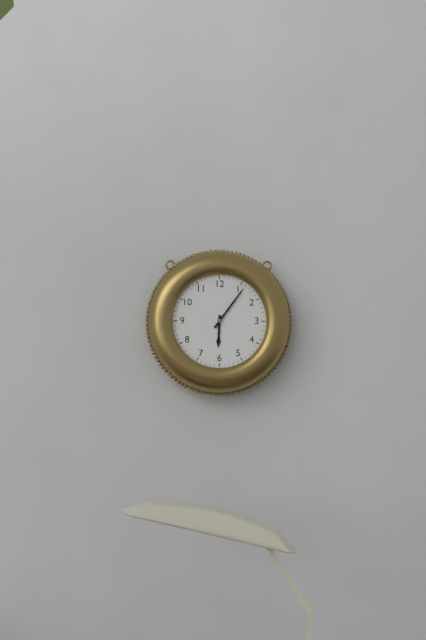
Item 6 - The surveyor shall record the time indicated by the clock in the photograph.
6:06
